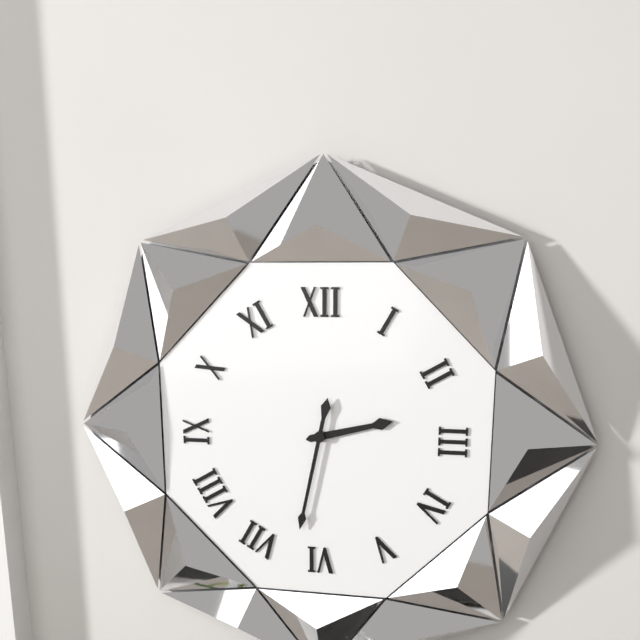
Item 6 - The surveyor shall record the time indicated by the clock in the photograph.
2:32
